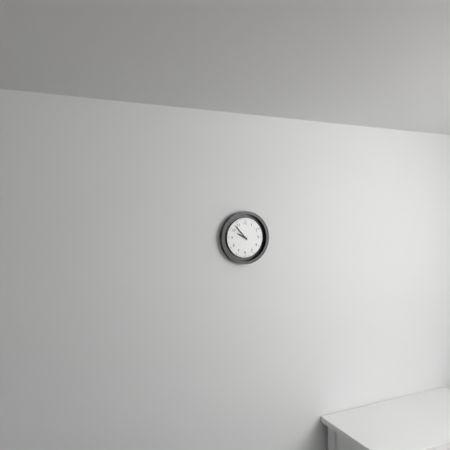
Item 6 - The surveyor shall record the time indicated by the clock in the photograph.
9:53
